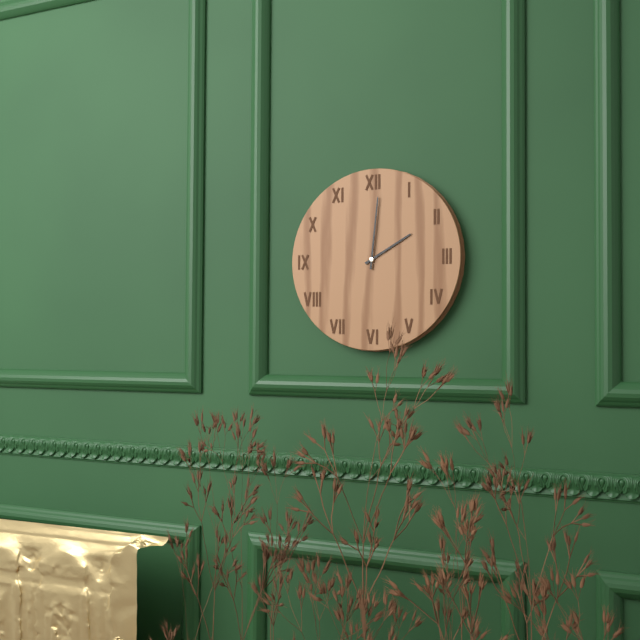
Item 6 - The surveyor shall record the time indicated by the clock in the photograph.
2:01
